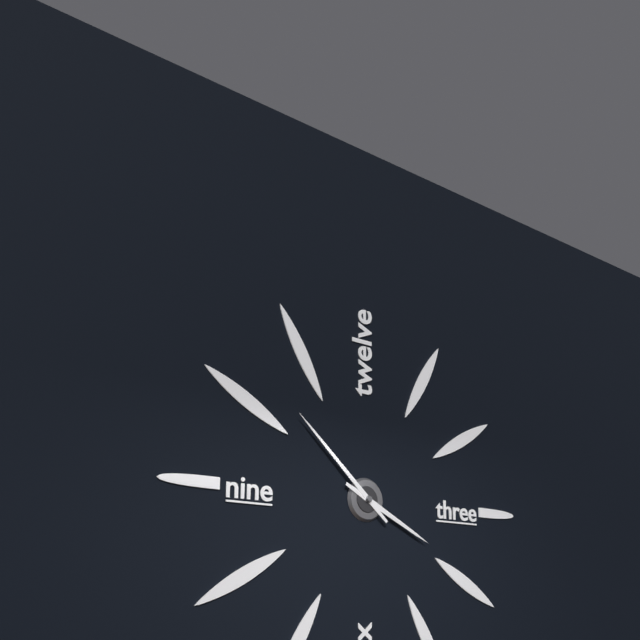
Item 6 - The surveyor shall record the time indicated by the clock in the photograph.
3:52
